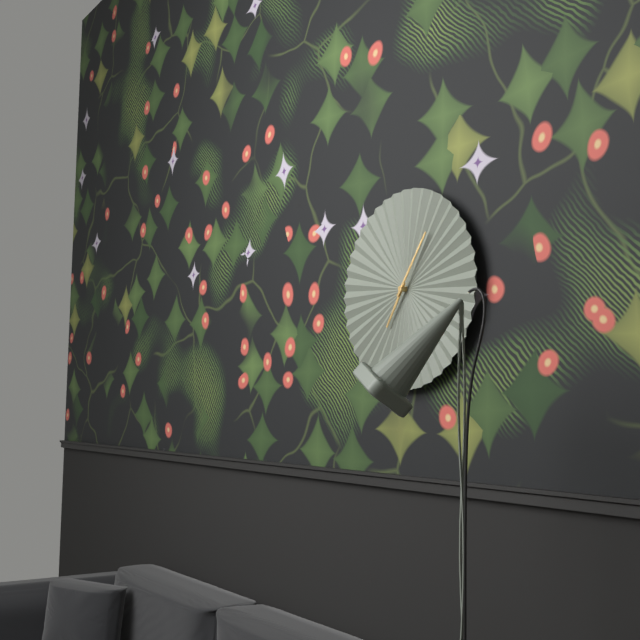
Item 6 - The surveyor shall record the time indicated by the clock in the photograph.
7:06
